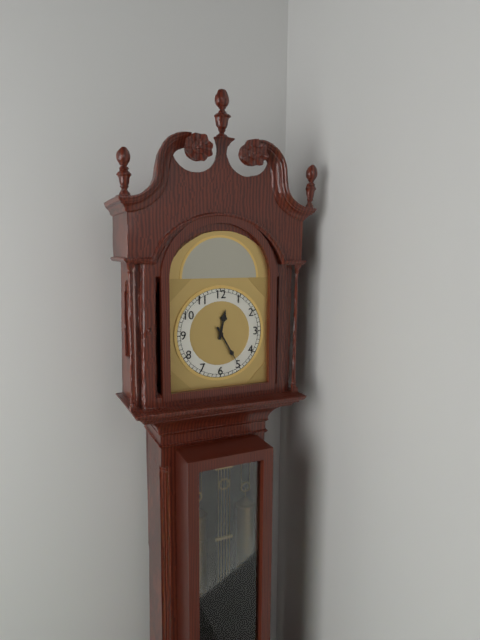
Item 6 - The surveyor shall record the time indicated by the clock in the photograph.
12:25
